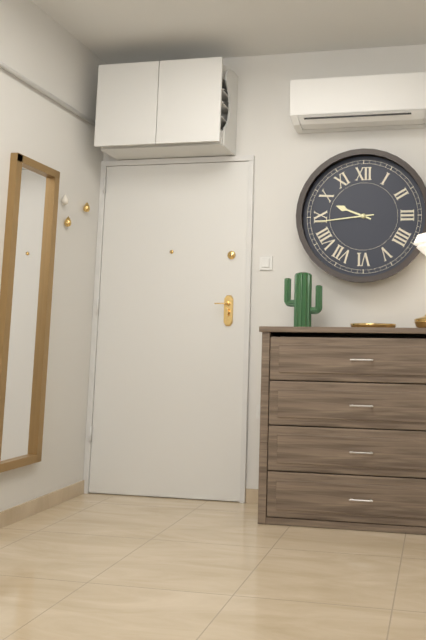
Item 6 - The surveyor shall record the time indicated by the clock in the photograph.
9:44
